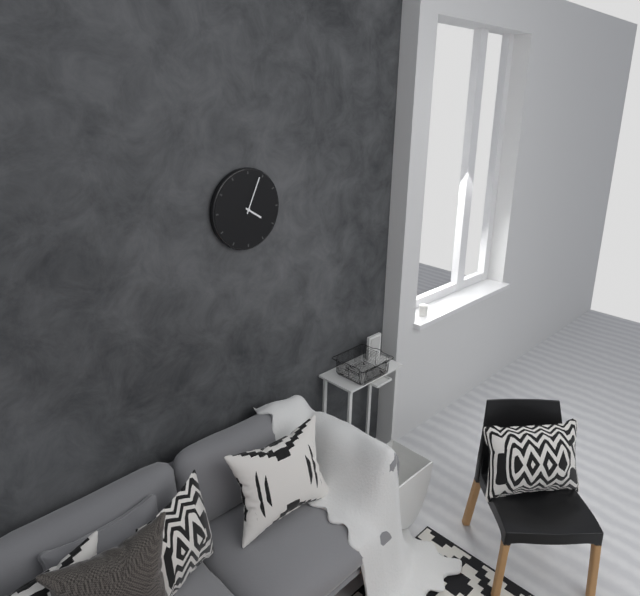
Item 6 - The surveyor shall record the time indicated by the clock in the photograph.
4:04
